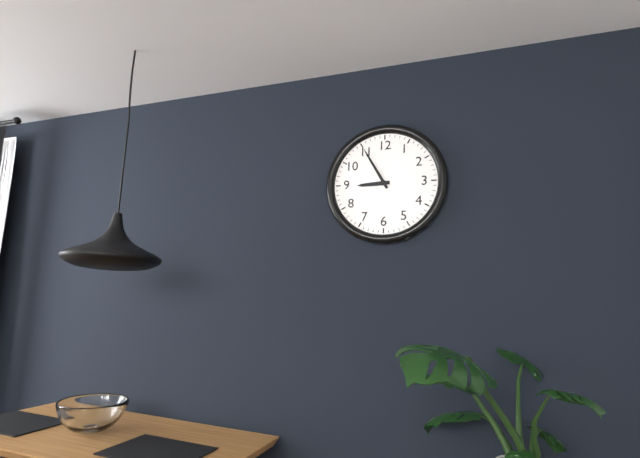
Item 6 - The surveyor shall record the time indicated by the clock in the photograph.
8:55
